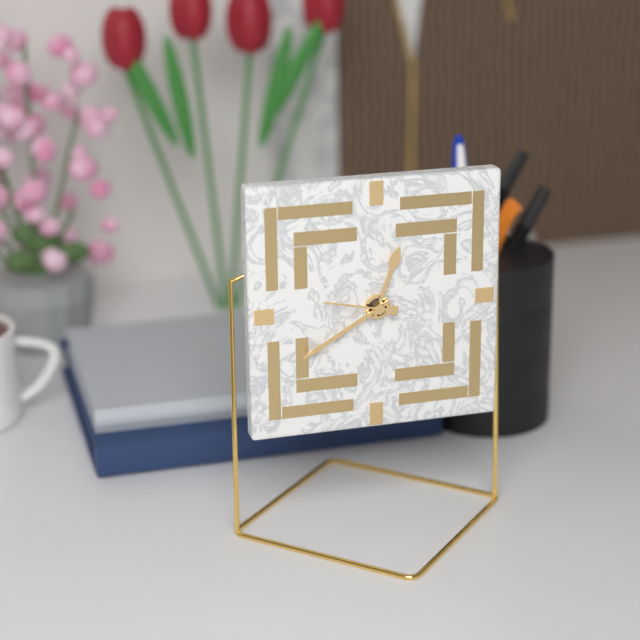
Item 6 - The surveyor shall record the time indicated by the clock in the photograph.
12:40:47
